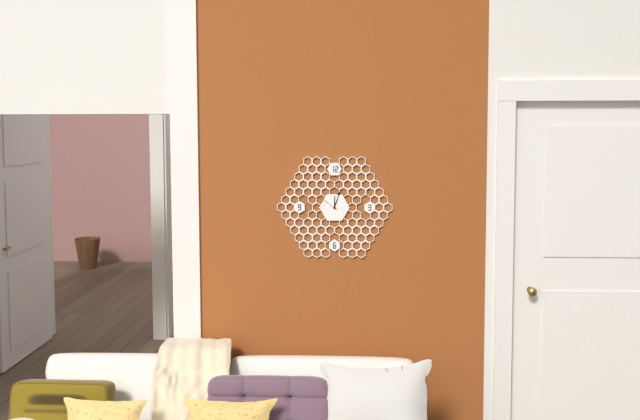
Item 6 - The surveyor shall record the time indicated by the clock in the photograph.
12:03
